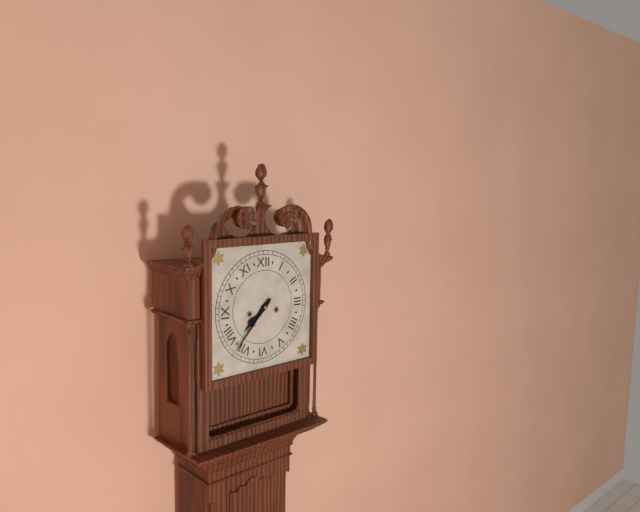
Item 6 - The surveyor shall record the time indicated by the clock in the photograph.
7:37
